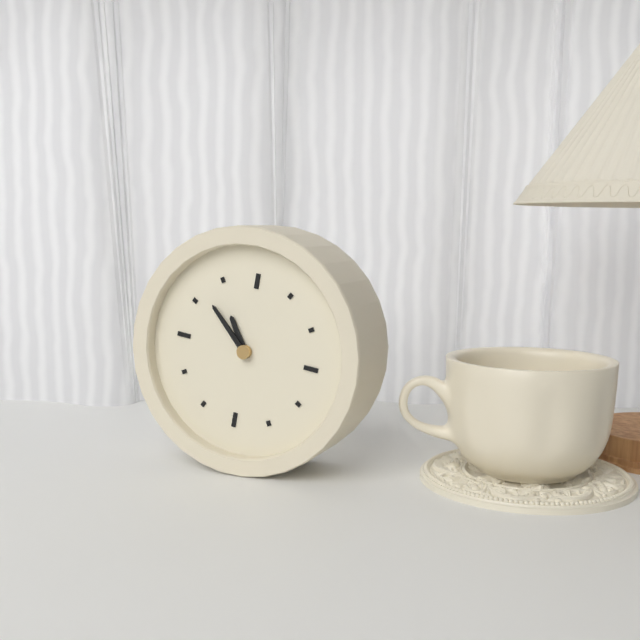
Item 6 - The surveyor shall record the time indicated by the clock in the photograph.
10:52
